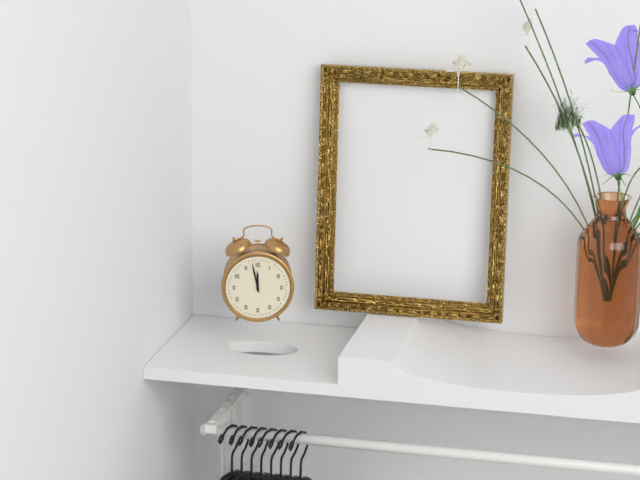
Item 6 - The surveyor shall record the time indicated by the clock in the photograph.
11:58
